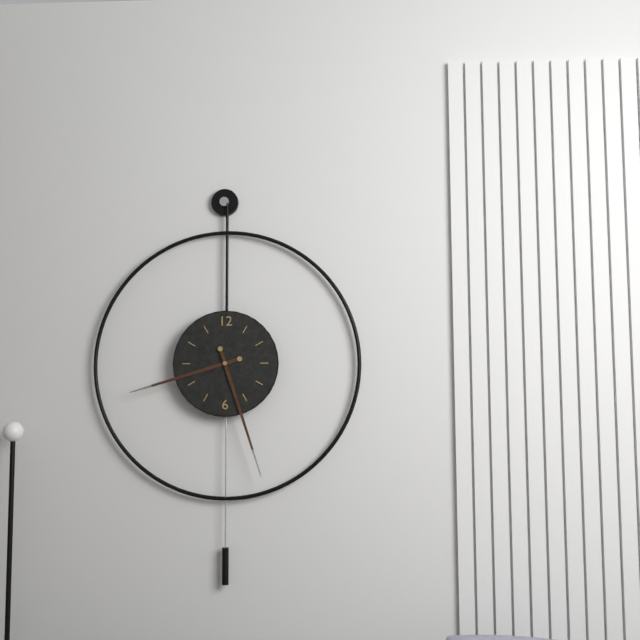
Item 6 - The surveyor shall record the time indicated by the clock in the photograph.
8:27
